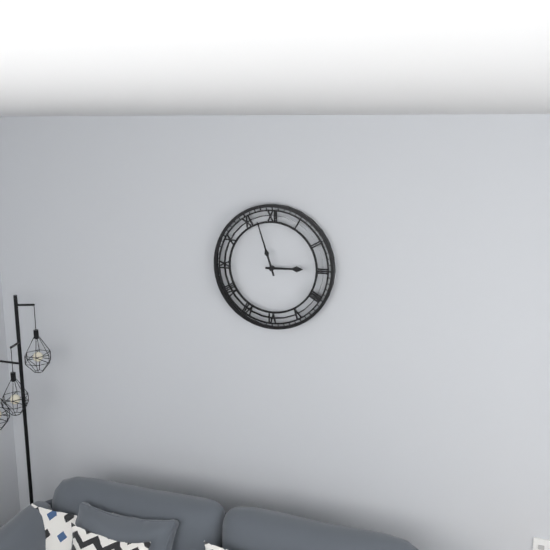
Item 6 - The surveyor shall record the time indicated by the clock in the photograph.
2:57
